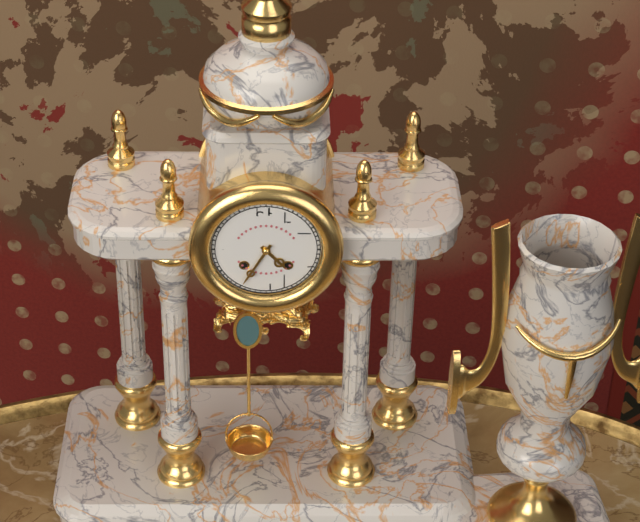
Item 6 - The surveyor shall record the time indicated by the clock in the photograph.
4:35
